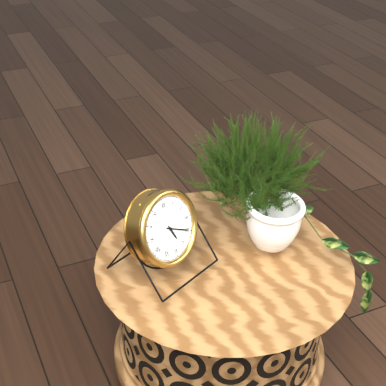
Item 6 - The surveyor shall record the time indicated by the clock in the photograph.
5:20
